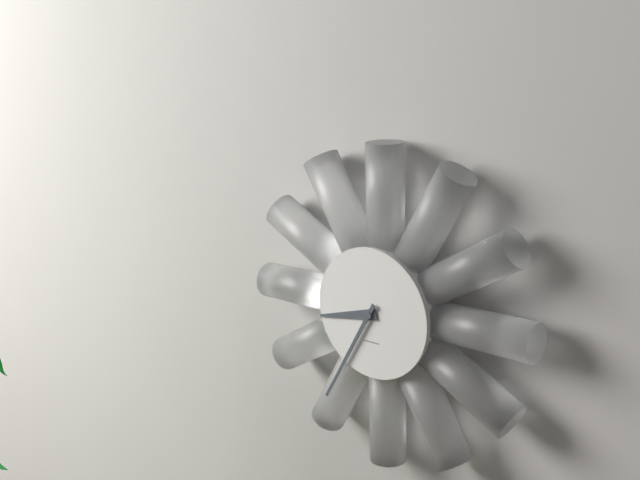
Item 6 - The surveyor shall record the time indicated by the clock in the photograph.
8:35
